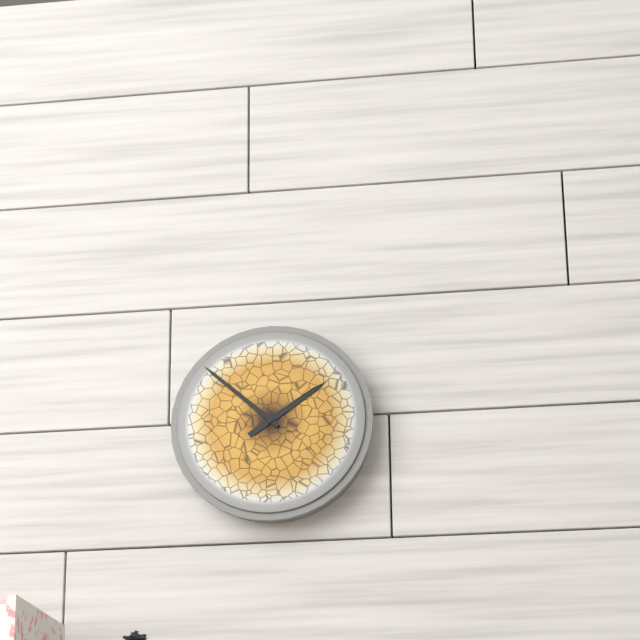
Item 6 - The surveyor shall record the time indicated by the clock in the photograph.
1:52
